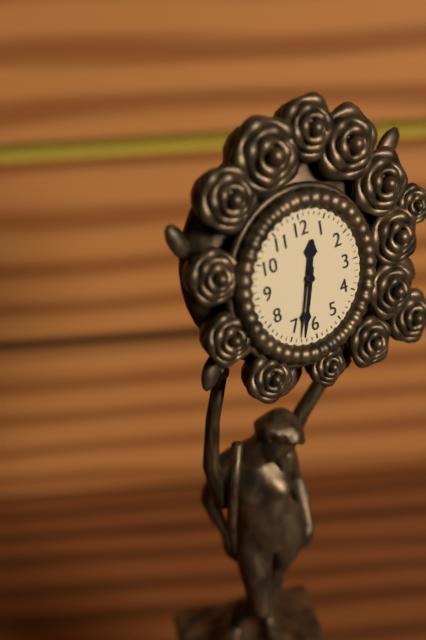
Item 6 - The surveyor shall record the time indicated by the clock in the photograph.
12:33
